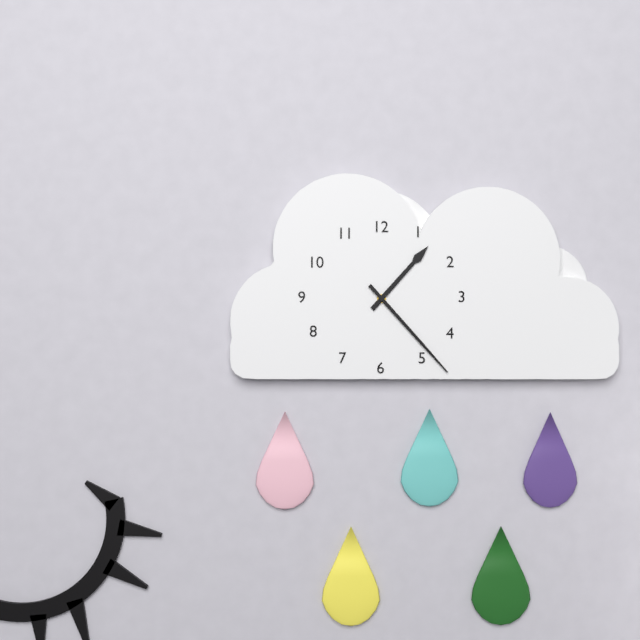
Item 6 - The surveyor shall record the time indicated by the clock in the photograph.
1:23
